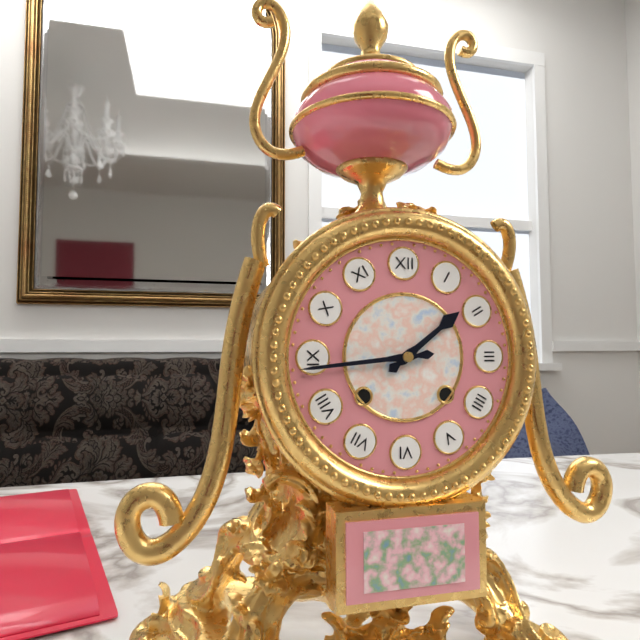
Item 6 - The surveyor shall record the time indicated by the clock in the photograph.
1:44
